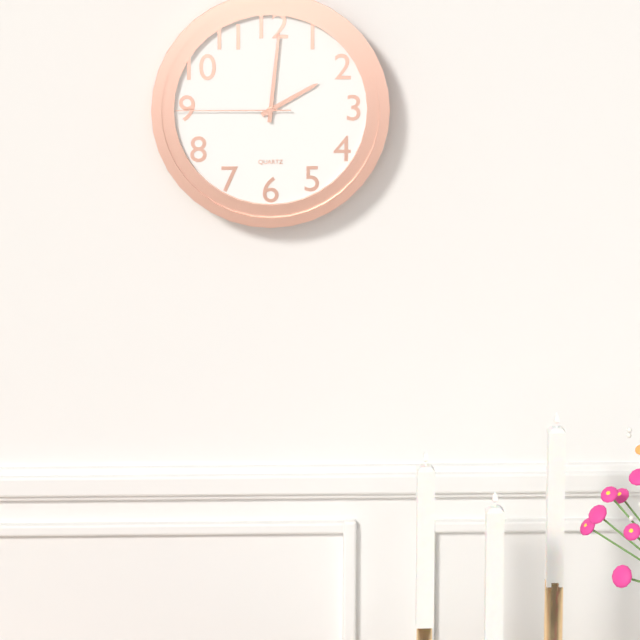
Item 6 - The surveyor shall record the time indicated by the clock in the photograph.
2:01:45
